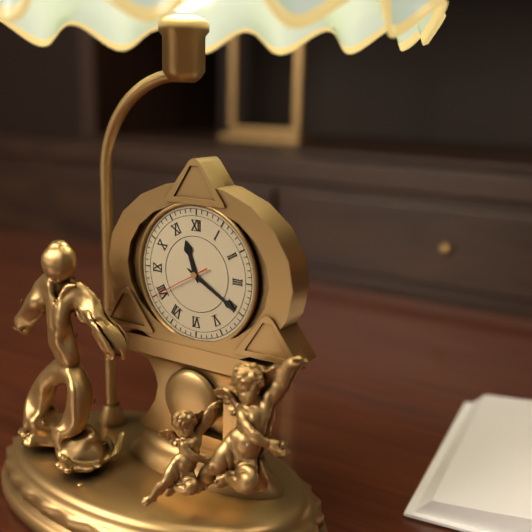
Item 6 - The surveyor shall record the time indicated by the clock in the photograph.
11:20:40
